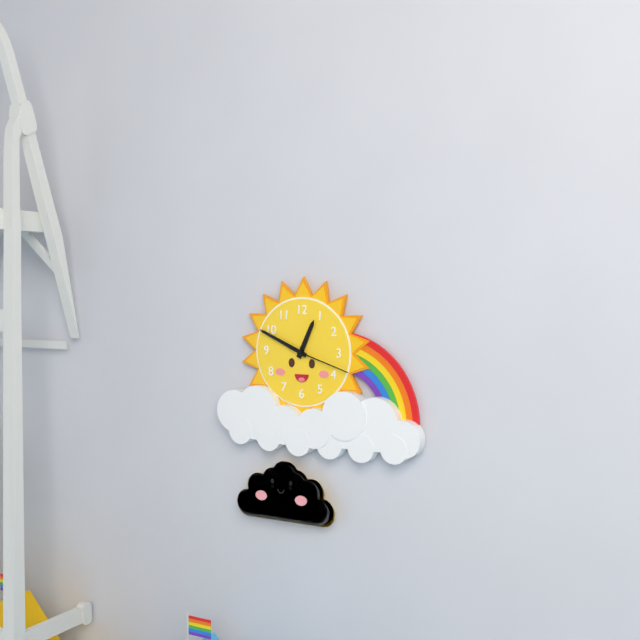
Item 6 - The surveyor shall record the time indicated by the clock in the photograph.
12:49:18
